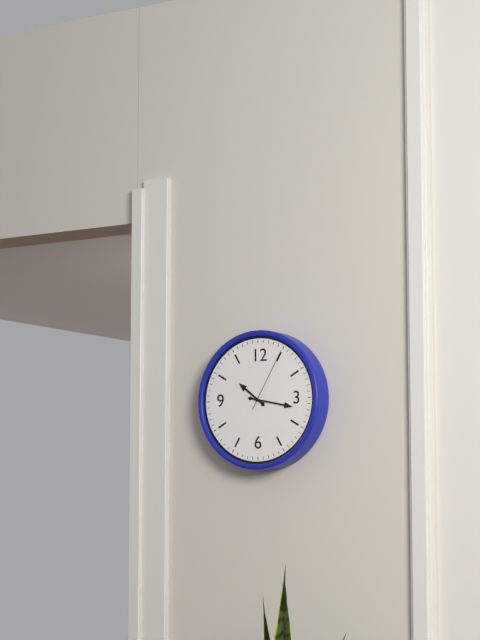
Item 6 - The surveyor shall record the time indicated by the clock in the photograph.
10:17:05
